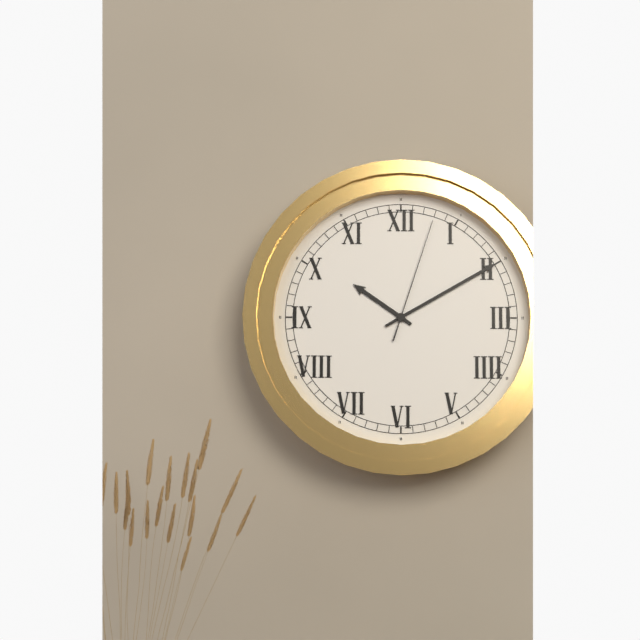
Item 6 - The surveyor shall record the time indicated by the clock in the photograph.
10:10:03
